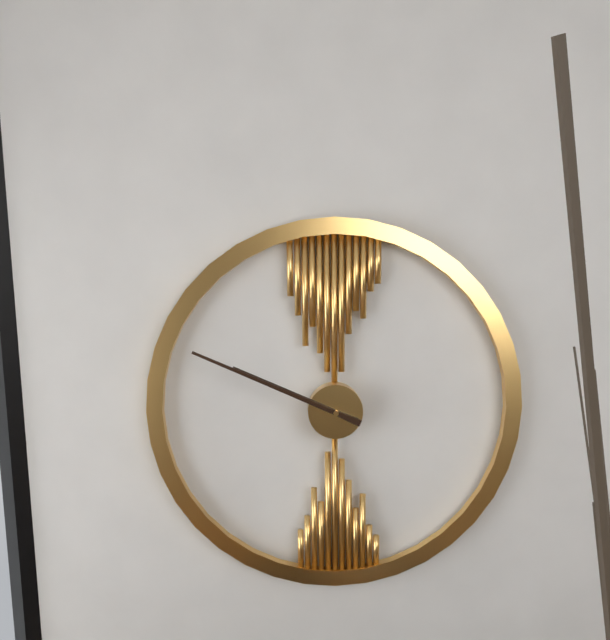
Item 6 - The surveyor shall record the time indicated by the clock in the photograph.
9:49
